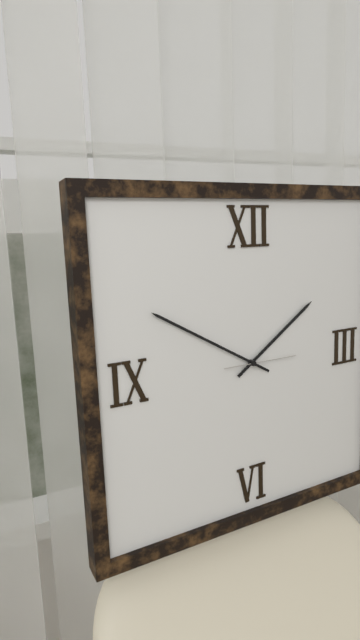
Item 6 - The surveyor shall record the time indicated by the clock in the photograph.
1:50:15
